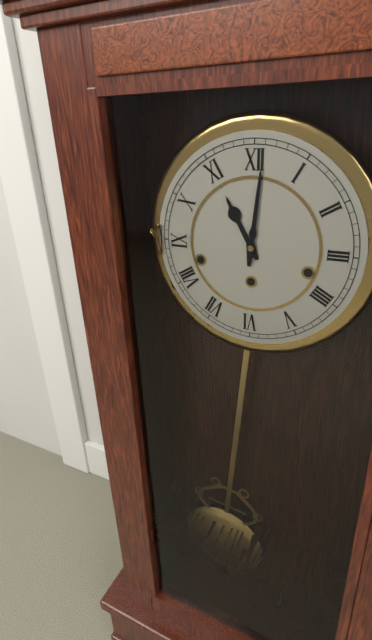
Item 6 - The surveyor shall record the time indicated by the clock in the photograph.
11:01
